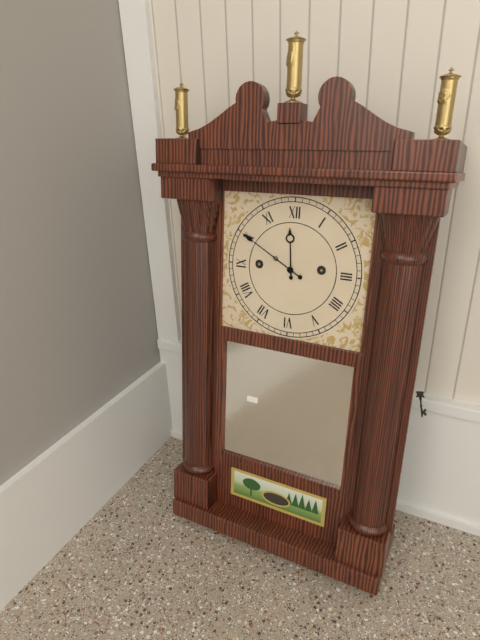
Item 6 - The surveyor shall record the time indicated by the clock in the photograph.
11:50
